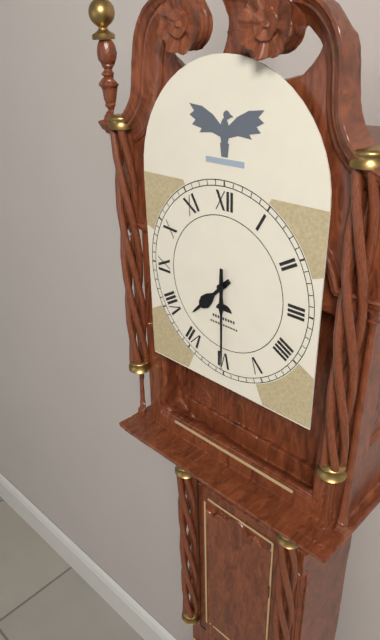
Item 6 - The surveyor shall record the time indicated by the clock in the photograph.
7:30
